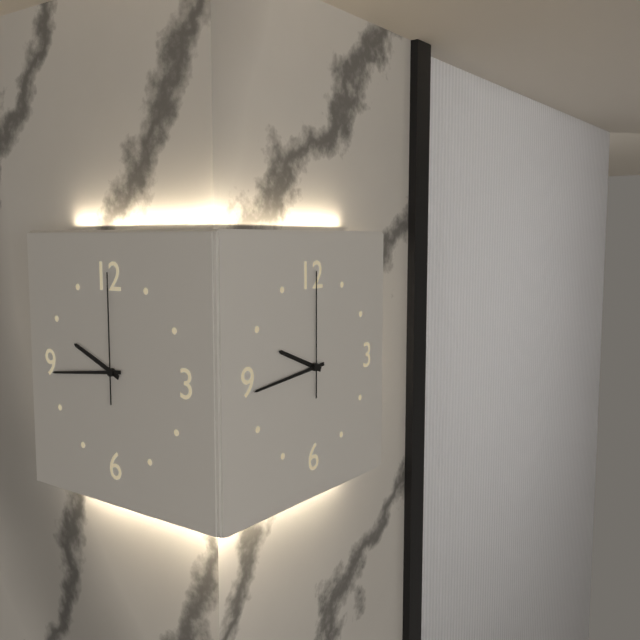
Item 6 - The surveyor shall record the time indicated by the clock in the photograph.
9:44:00
